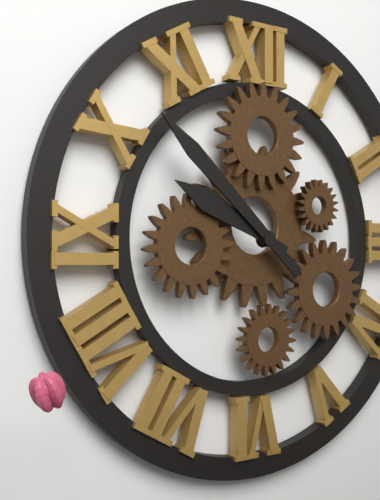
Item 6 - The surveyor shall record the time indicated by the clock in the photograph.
9:52
